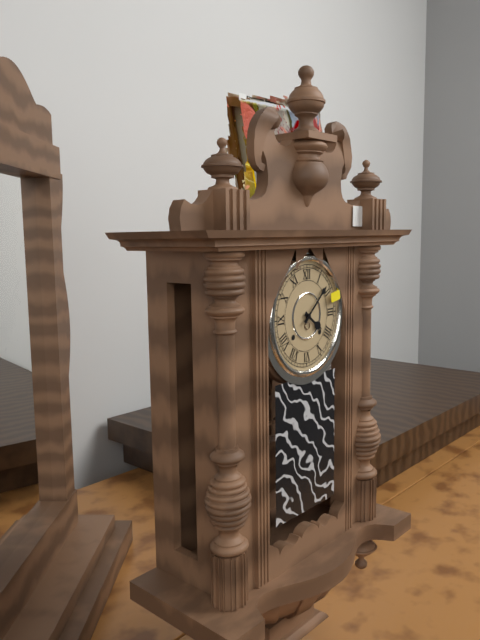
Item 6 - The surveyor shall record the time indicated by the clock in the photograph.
4:08
